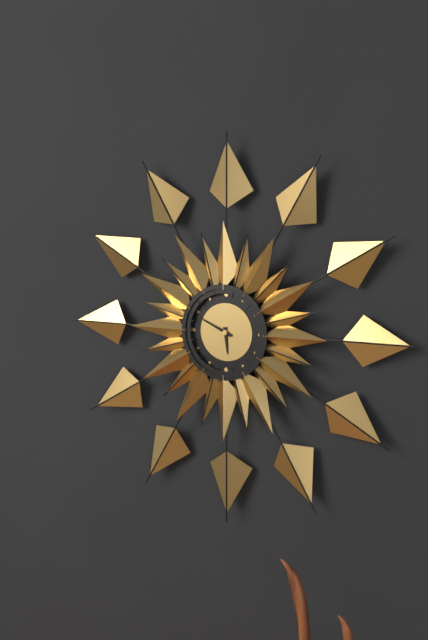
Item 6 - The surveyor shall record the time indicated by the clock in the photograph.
5:49
